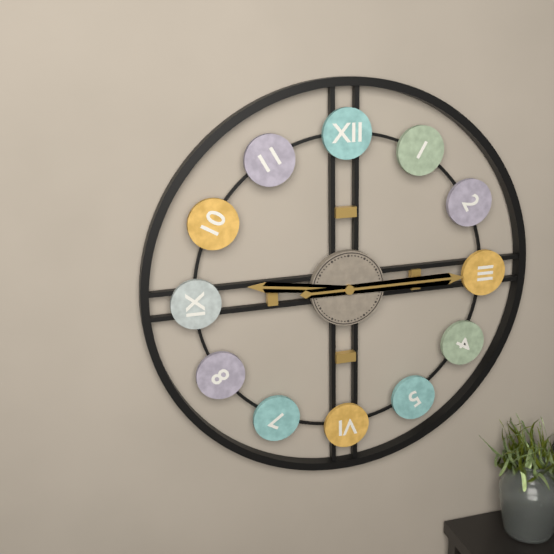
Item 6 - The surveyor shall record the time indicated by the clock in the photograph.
9:15
